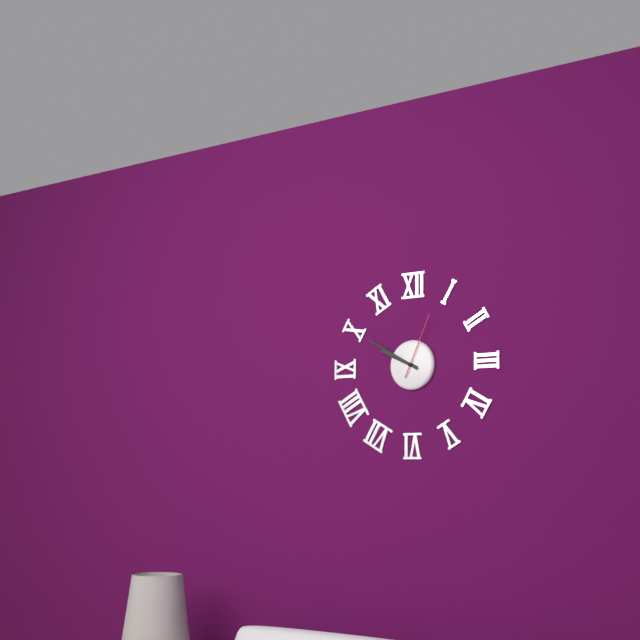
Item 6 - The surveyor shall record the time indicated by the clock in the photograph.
9:50:04
